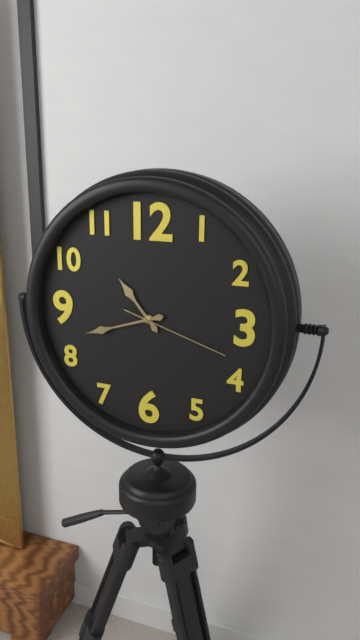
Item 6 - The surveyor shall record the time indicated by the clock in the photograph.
10:42:18
